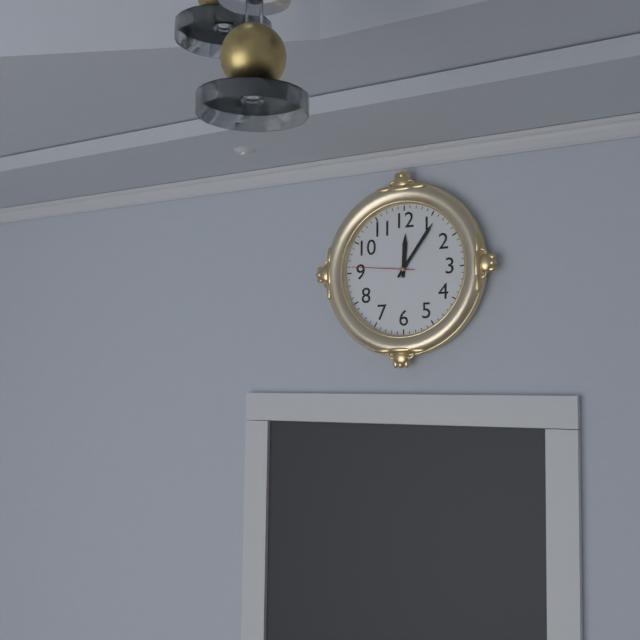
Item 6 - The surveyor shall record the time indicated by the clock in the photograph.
12:06:46
